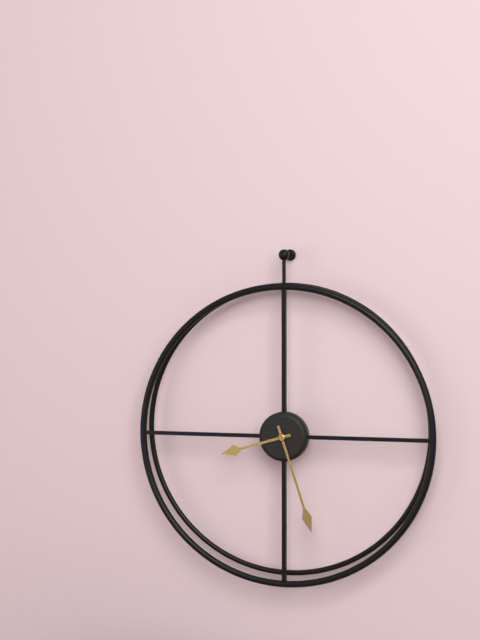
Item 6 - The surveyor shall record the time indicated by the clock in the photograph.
8:27
